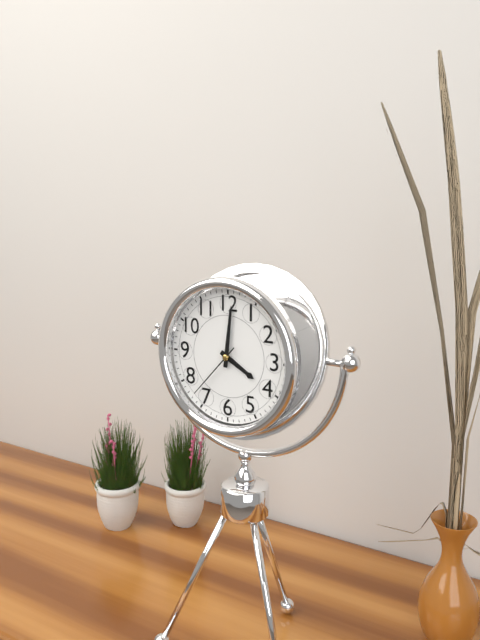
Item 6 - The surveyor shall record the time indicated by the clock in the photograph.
4:01:37
